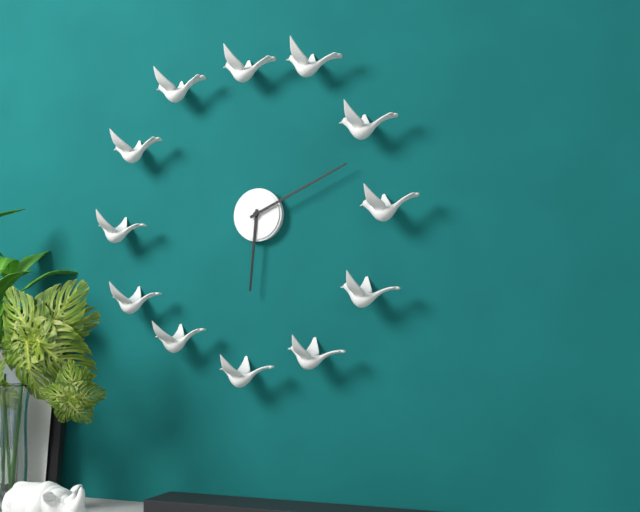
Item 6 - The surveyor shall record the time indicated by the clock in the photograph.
6:11
